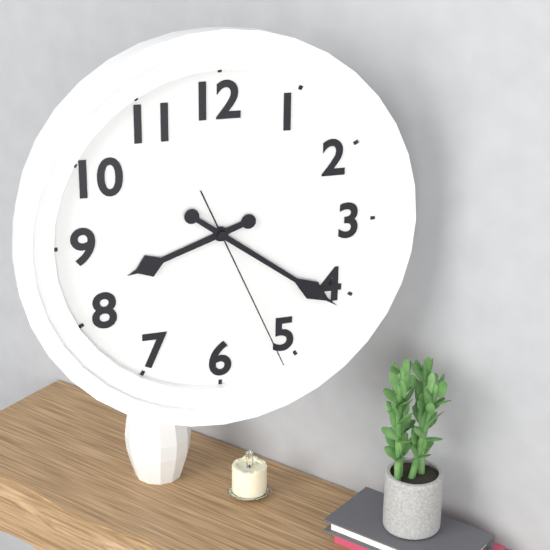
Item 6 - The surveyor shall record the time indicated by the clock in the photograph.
8:21:26
